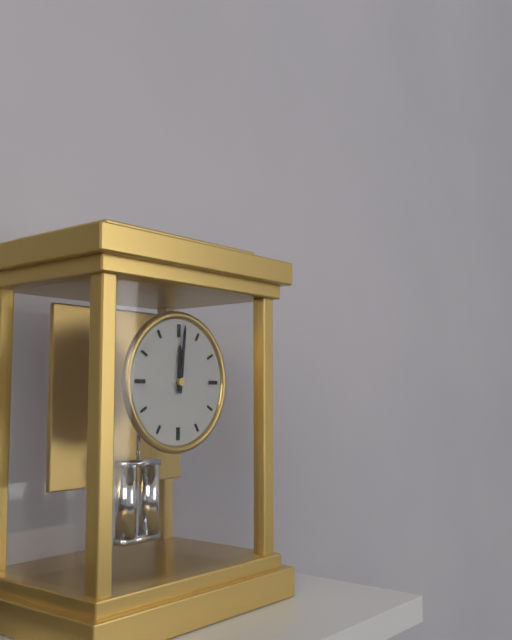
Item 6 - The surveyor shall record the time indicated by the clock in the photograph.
12:01
